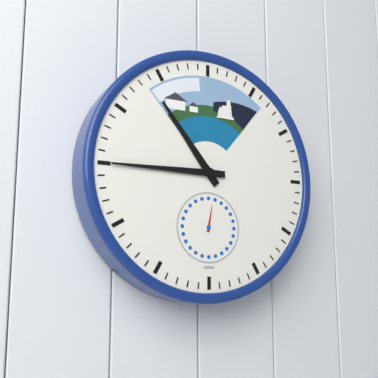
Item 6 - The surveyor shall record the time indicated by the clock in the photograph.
10:45
